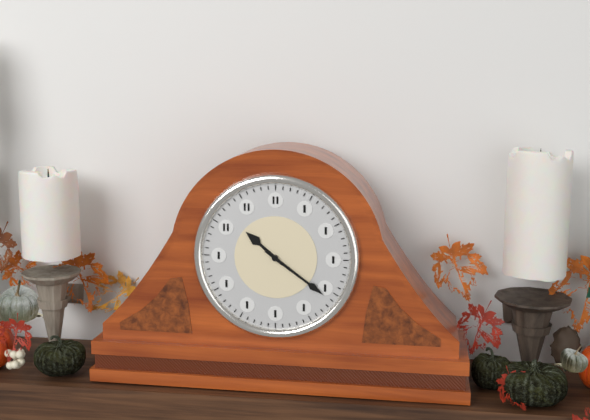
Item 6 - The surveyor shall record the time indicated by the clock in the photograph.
10:21
